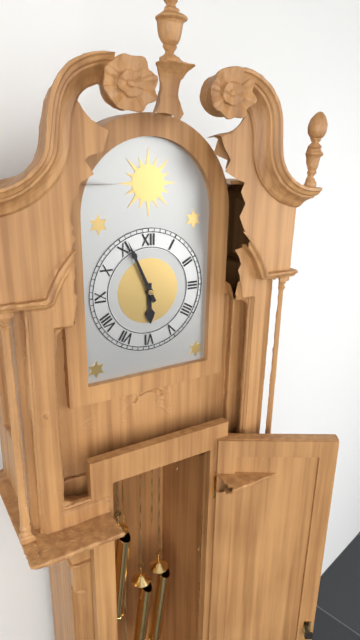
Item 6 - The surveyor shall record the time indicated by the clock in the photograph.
5:56
